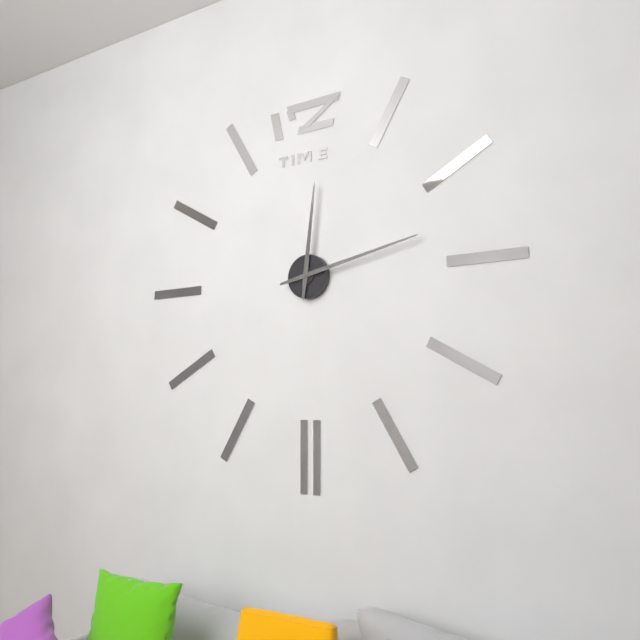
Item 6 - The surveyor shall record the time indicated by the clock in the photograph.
12:13
